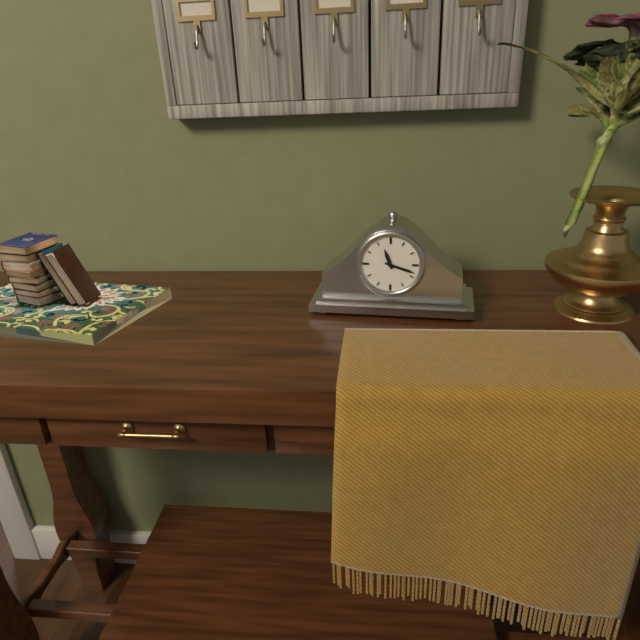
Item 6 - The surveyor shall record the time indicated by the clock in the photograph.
11:18
